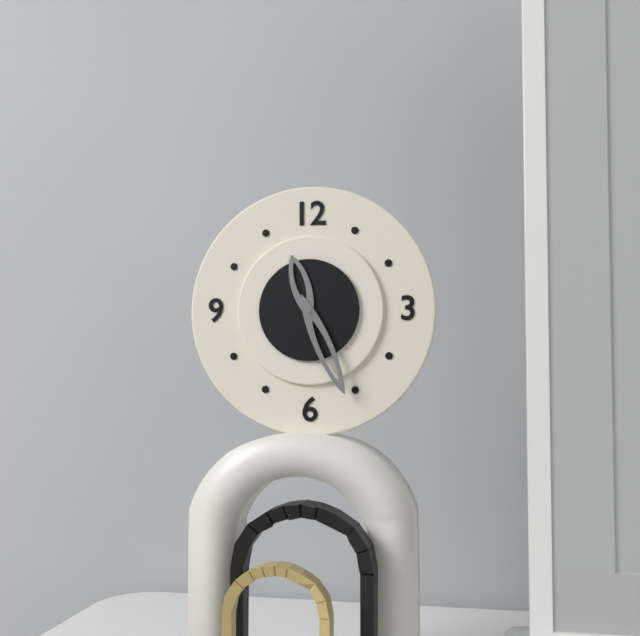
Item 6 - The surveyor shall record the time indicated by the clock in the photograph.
11:26
